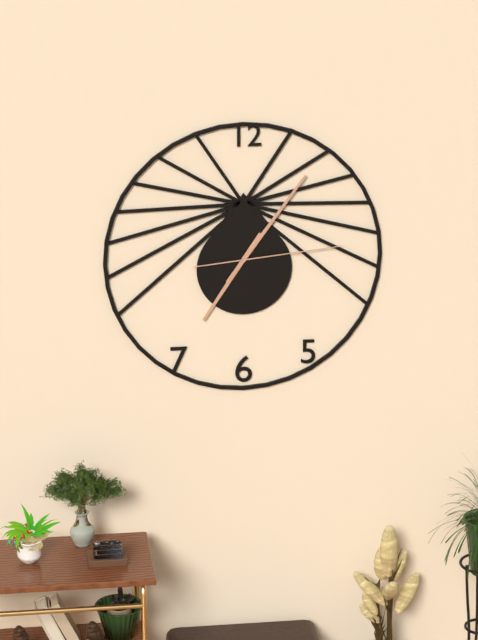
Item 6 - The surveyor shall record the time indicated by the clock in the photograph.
7:06:14
